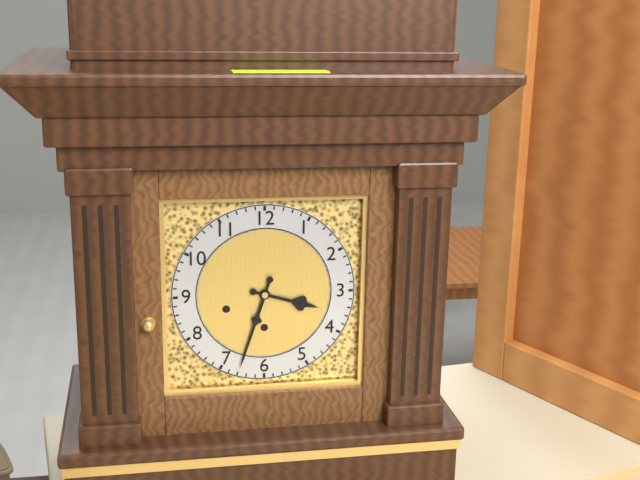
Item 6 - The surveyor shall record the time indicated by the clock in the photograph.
3:33
